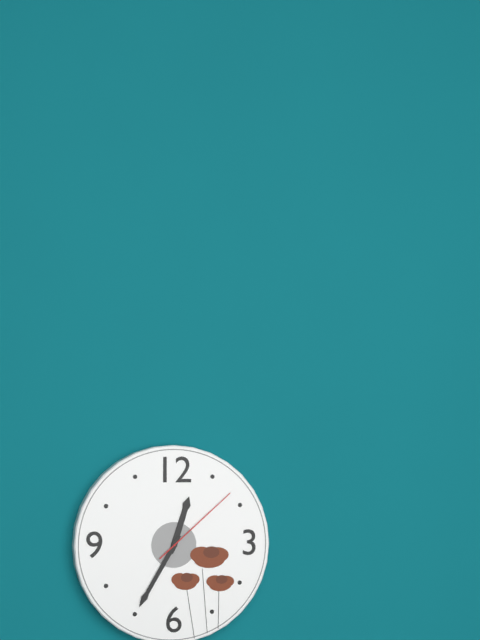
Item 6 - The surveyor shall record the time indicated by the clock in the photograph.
12:35:08
